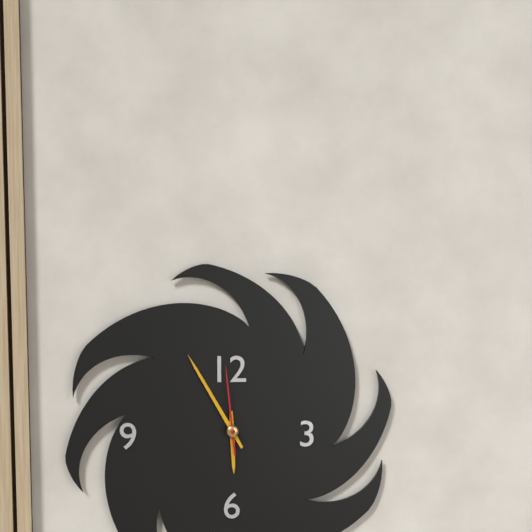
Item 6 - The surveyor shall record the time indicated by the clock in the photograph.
5:55:59
